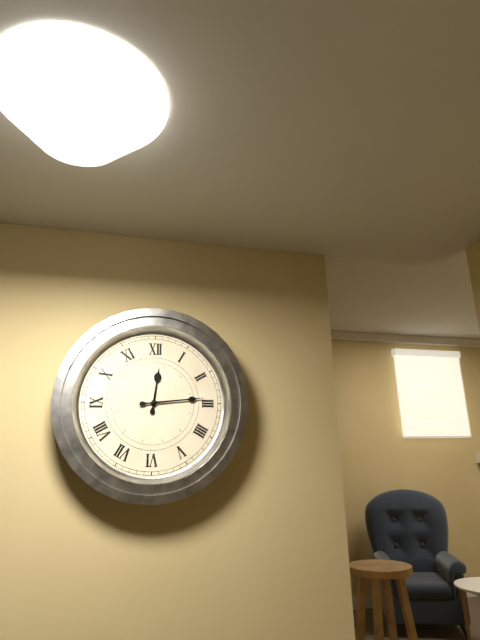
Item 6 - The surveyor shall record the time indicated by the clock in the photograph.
12:14
